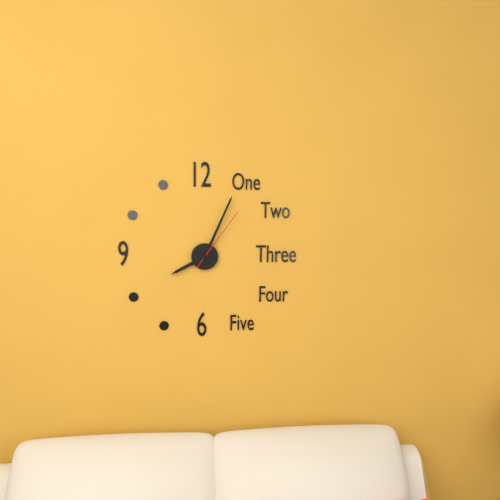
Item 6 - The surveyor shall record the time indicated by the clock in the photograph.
8:04:06
